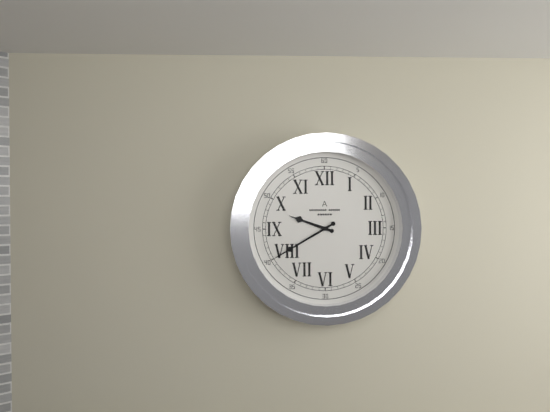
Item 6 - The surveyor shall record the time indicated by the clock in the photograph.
9:40
